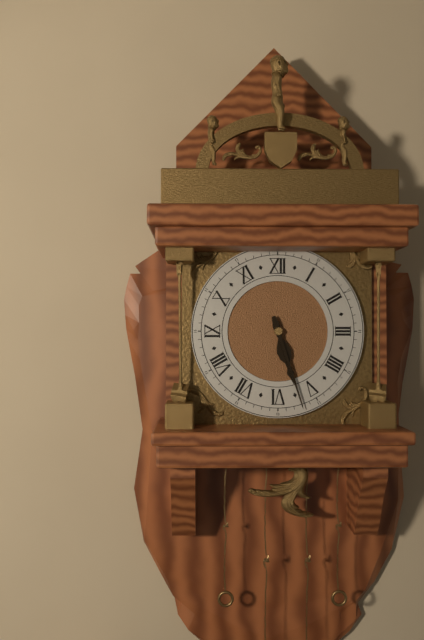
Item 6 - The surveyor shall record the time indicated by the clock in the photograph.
5:27
